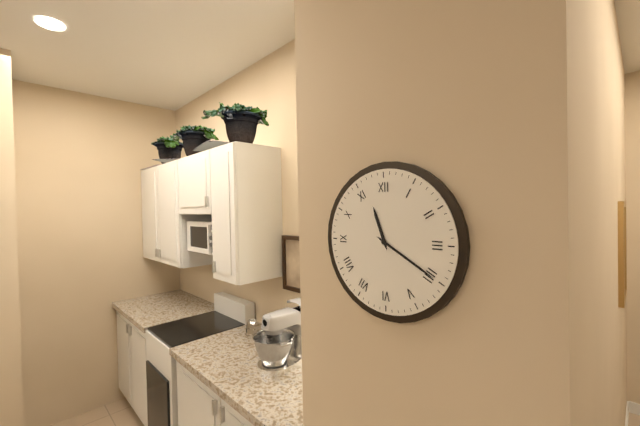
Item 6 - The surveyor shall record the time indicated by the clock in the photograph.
11:20
